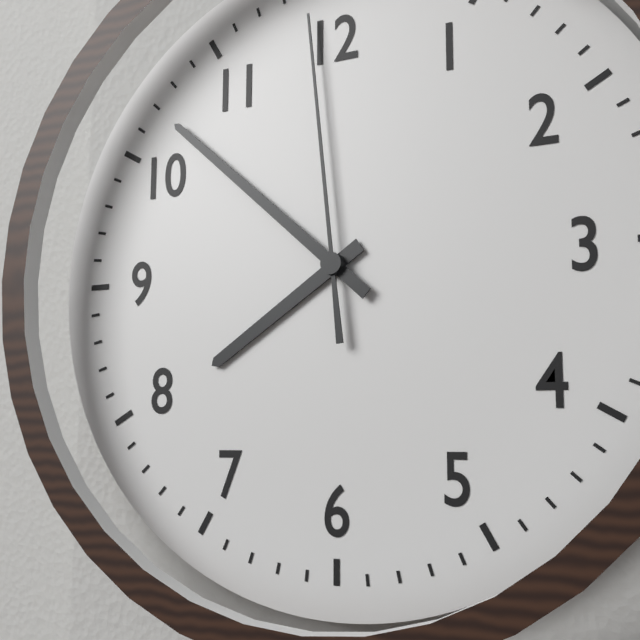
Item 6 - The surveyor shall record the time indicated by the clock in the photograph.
7:52:59
